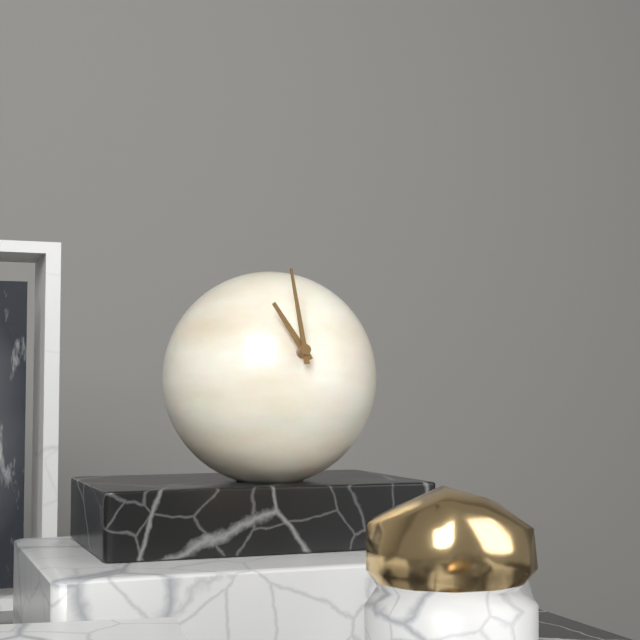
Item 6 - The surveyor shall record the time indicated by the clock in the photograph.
10:59
